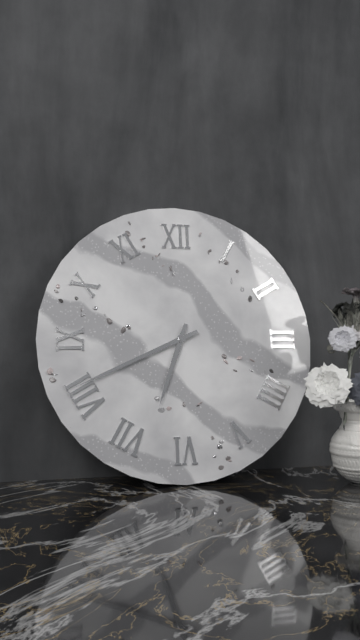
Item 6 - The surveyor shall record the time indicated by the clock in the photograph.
6:41
